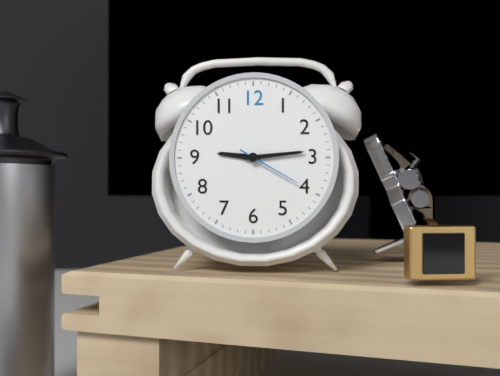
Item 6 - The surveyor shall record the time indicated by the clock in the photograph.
9:14:20
